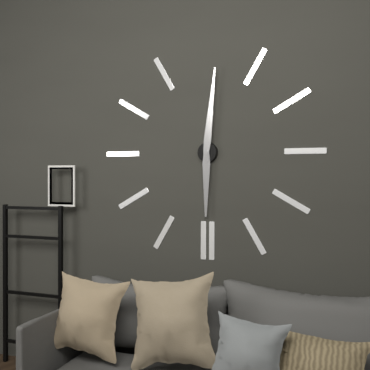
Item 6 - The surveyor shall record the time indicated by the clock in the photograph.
6:01
